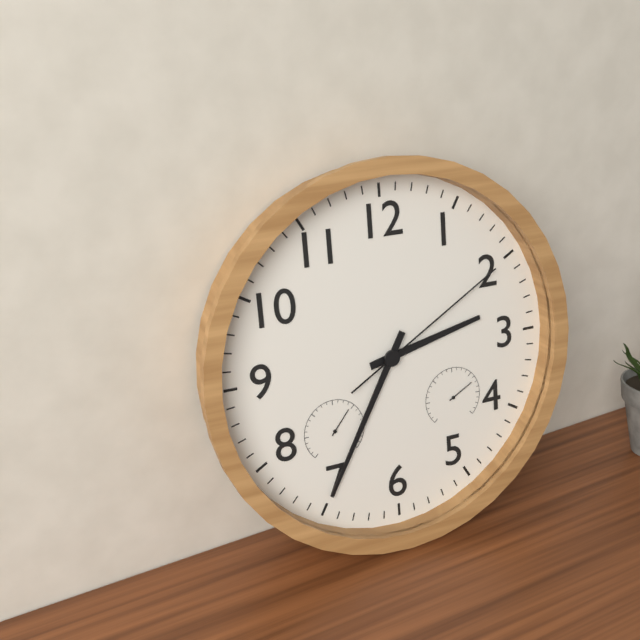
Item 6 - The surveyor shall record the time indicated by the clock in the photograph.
2:35:10
